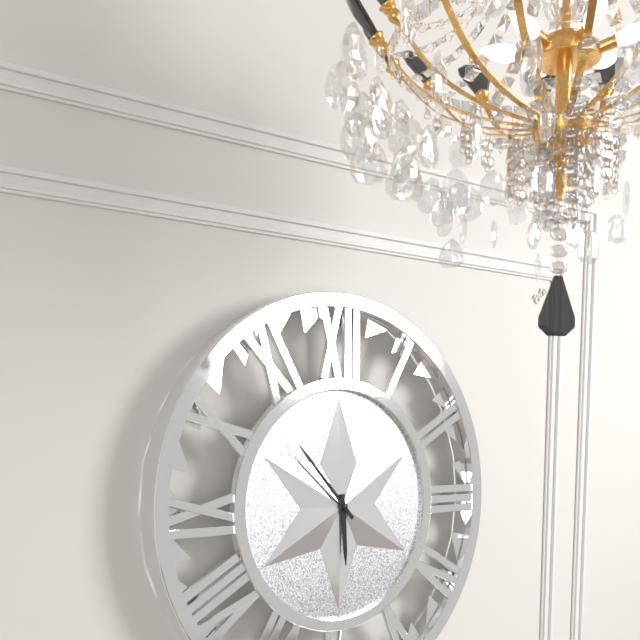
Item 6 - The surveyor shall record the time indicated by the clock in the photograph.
5:53
